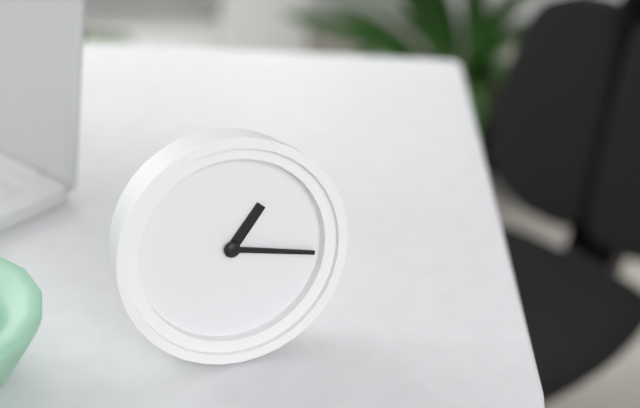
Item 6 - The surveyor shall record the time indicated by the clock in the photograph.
1:17
